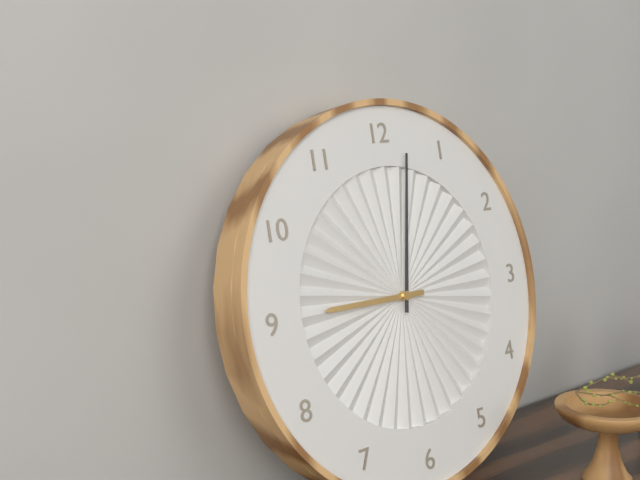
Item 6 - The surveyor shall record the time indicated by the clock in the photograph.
9:02
